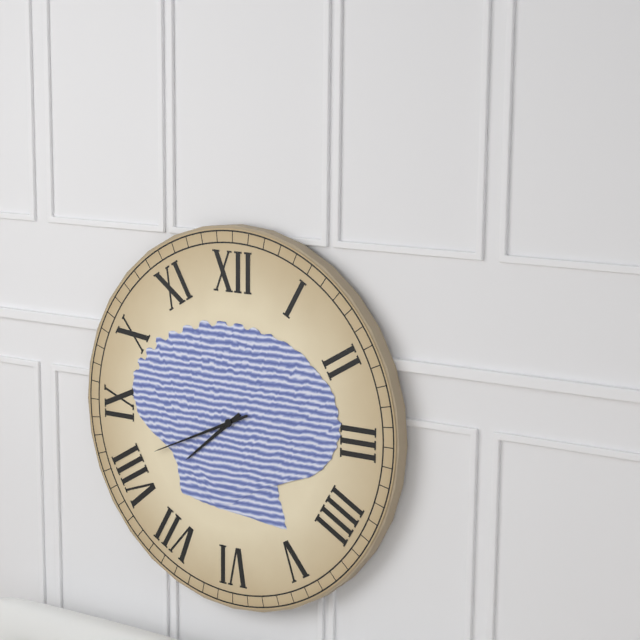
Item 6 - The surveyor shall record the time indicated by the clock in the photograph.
7:41
